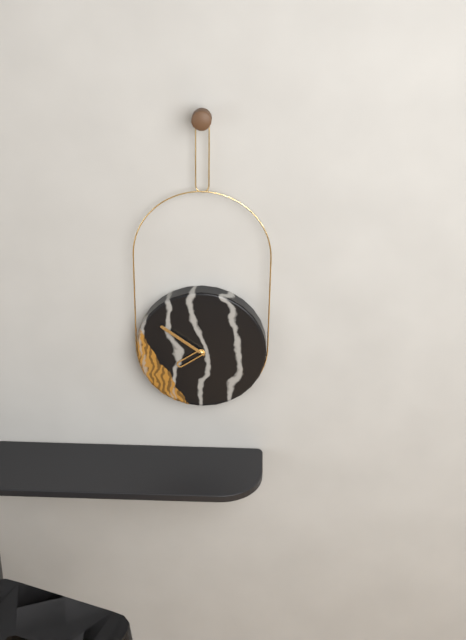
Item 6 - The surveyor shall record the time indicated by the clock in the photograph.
7:51
